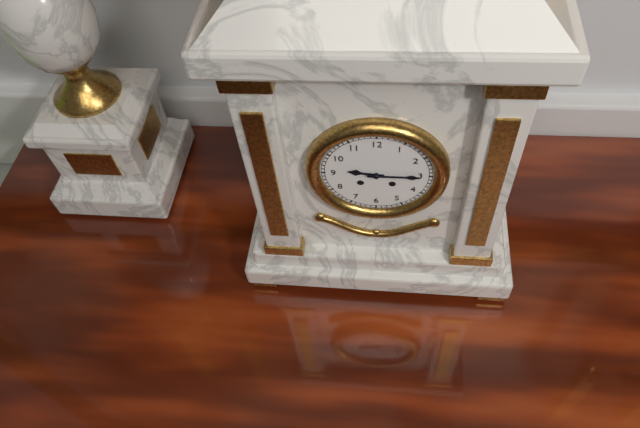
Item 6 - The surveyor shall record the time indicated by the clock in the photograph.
9:15
